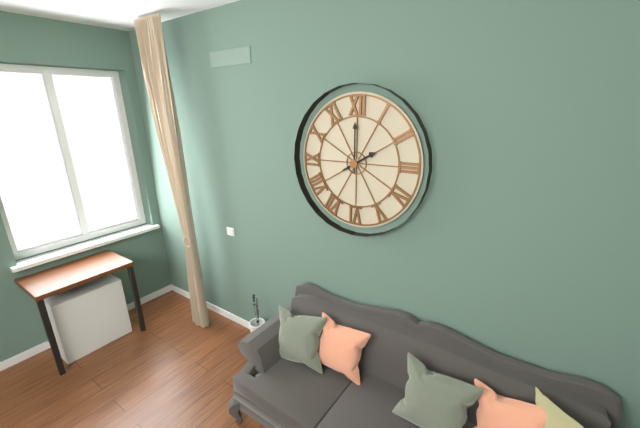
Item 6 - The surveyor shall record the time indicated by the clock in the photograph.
2:00
